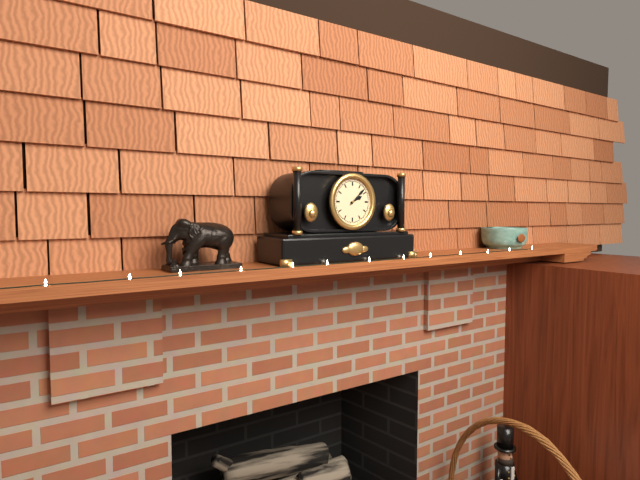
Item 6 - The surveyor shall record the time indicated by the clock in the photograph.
2:08
